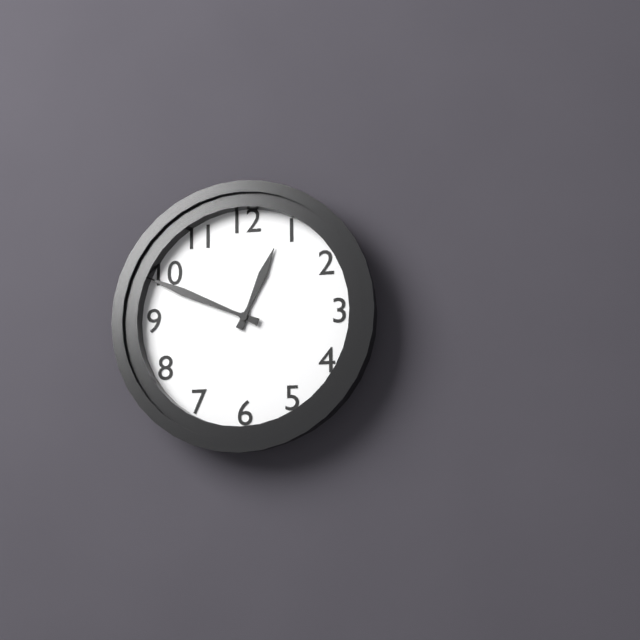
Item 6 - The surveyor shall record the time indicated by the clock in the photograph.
12:49
